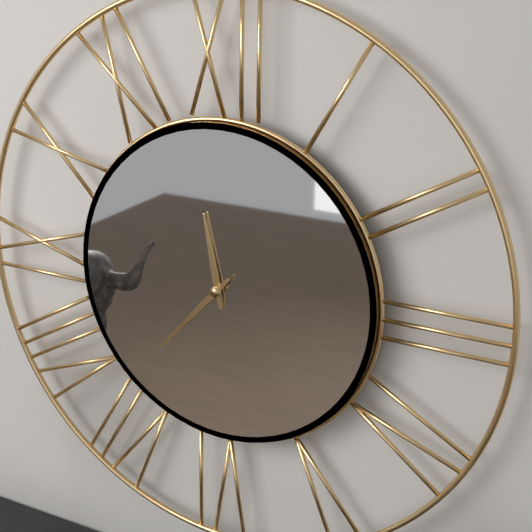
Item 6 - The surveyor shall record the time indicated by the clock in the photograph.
11:37
